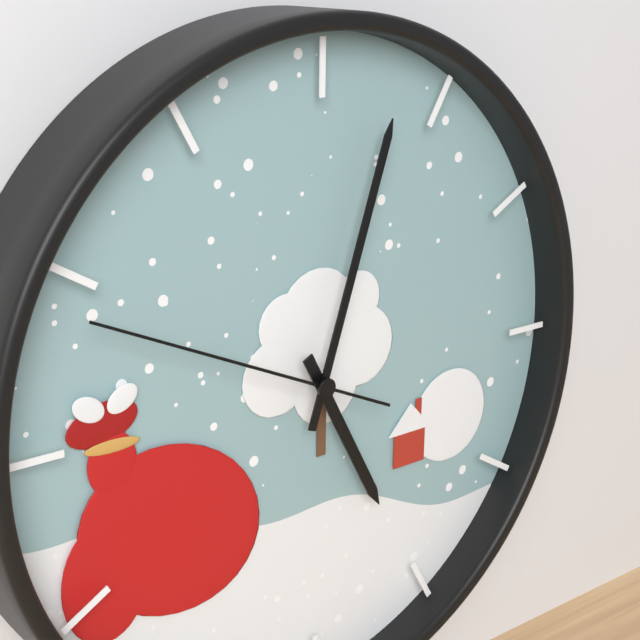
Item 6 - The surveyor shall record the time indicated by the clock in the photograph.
5:03:49
